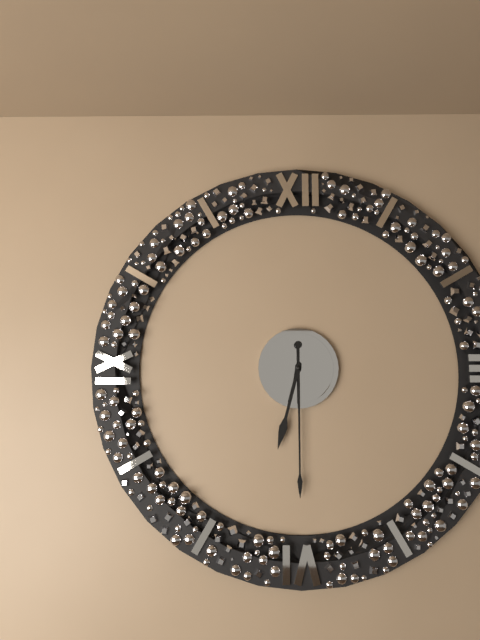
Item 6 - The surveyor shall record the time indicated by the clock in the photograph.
6:30
